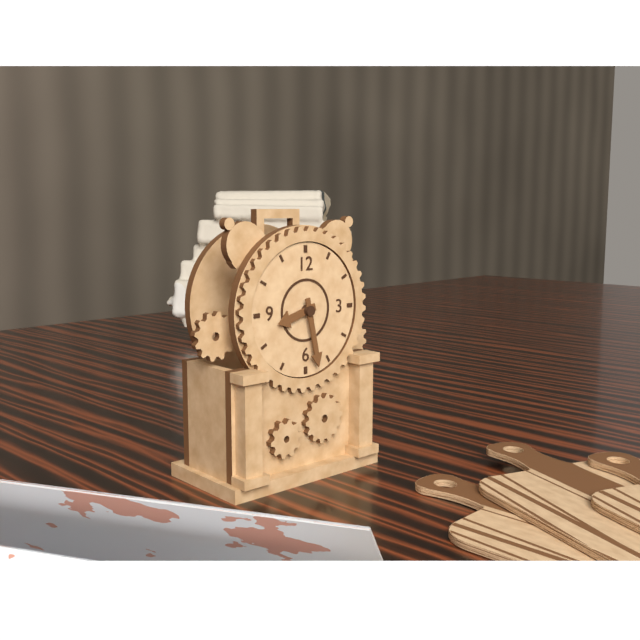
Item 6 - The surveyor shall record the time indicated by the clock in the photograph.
8:28
